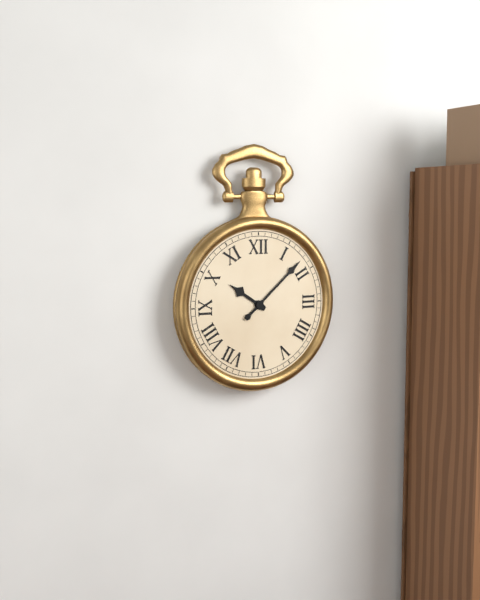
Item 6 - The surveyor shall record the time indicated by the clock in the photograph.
10:08
